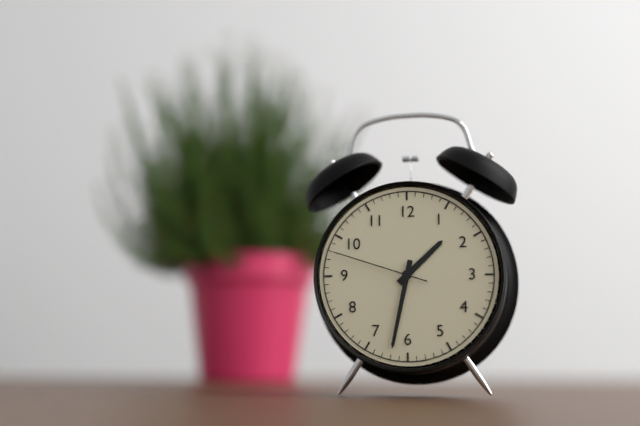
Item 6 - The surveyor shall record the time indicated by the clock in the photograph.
1:32:48
